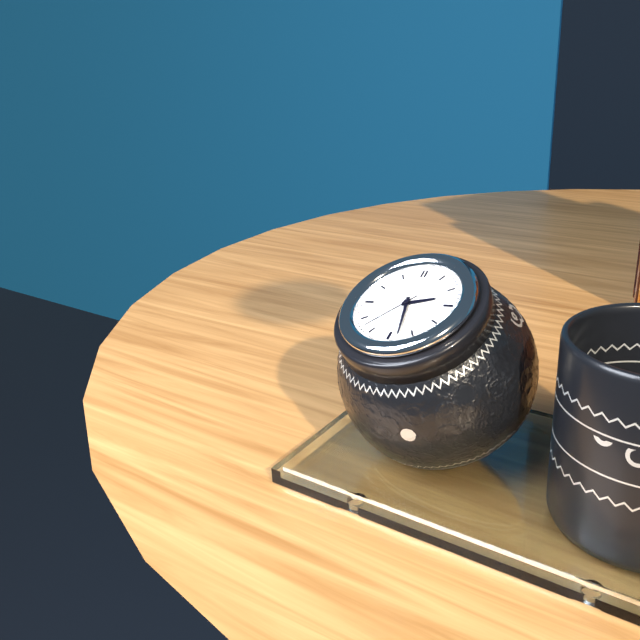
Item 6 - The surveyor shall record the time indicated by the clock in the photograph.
2:28:37
